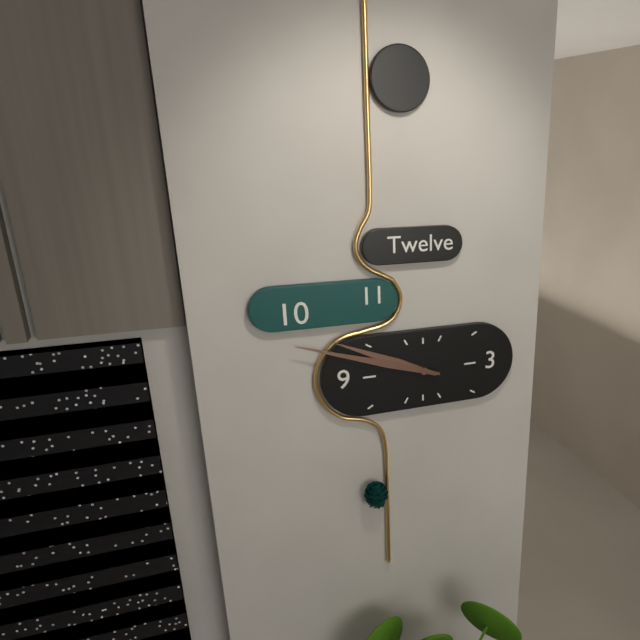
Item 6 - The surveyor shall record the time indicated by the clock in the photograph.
9:48
